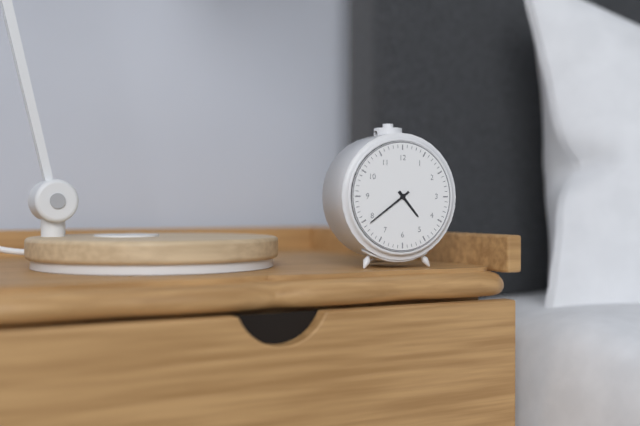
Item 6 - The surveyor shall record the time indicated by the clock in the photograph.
4:39
